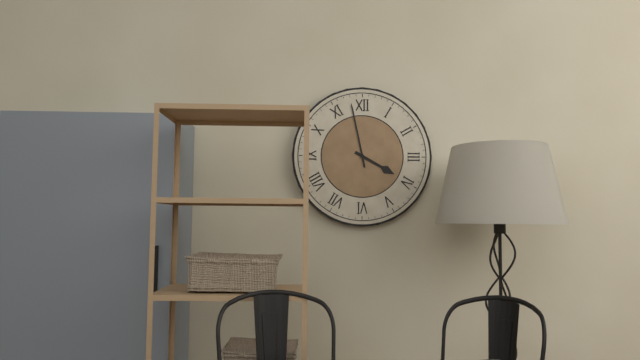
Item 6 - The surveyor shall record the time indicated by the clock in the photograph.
3:58
